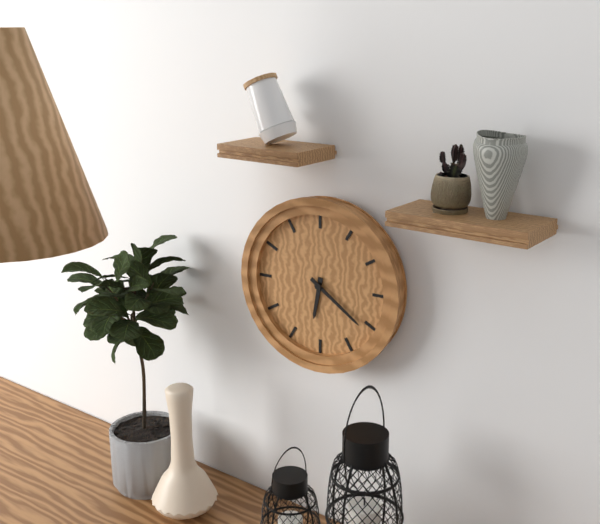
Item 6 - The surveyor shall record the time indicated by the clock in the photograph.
6:21
